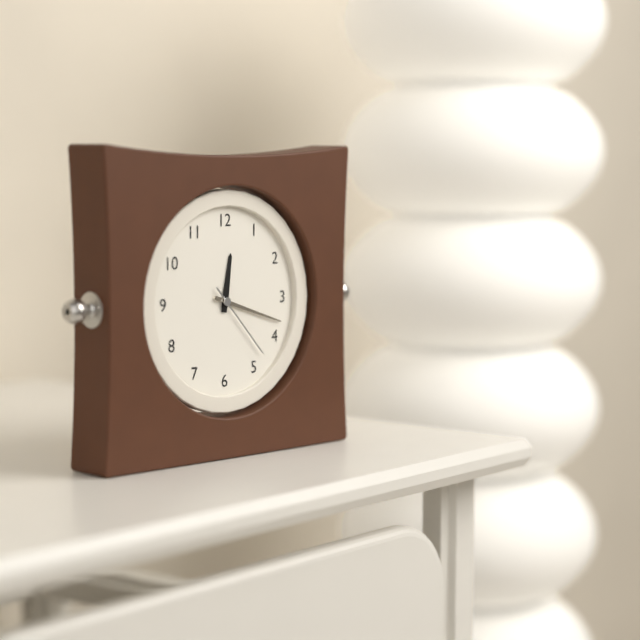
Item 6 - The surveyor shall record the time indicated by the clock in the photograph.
12:18:23
